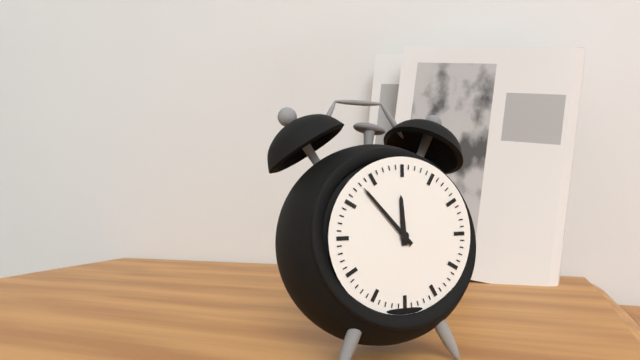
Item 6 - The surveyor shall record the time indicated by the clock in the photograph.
11:53
